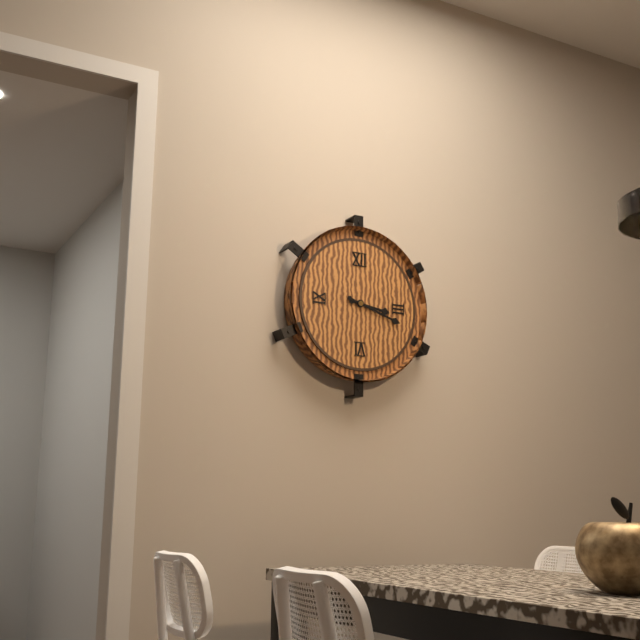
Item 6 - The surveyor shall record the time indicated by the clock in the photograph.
3:18
